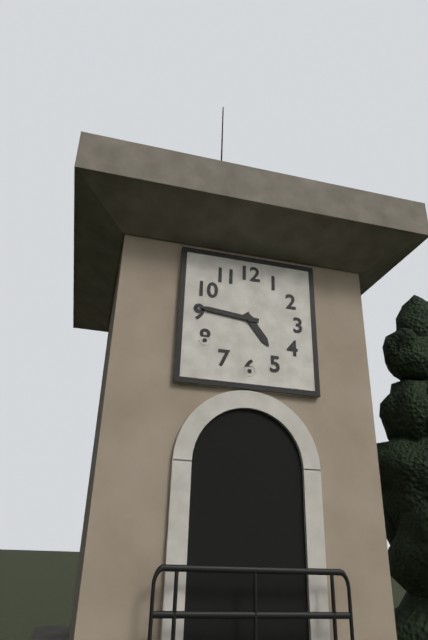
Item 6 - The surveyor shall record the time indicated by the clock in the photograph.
4:46
